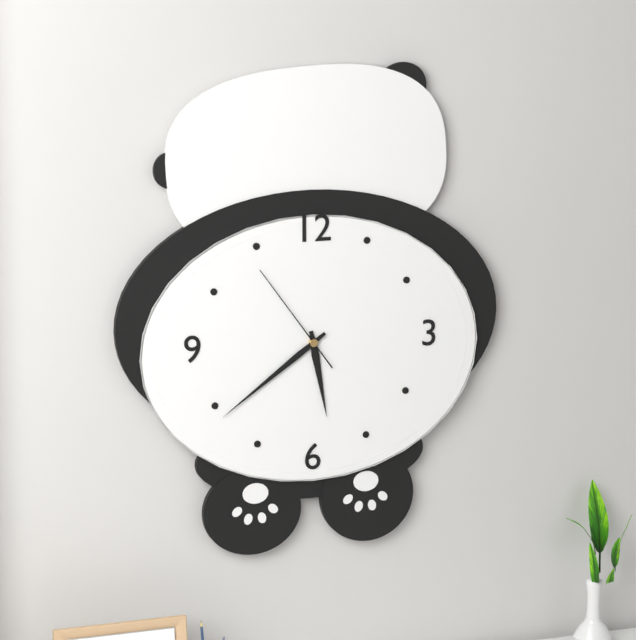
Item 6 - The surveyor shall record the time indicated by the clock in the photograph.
5:39:54
